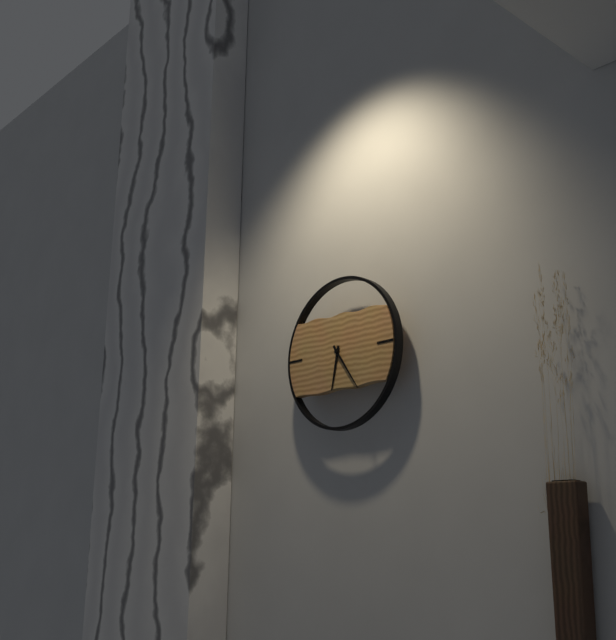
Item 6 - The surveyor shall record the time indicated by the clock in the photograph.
6:24
